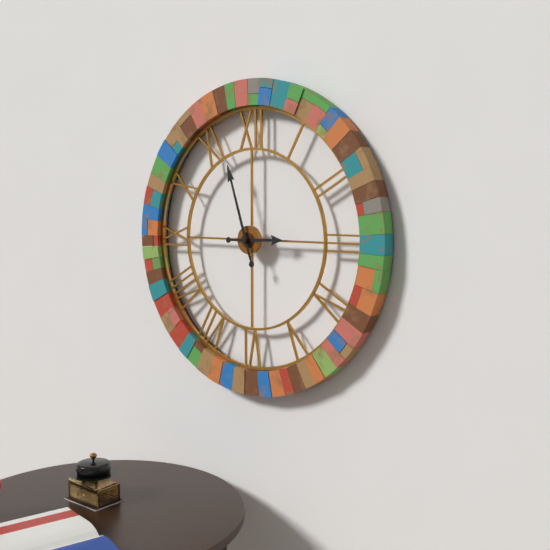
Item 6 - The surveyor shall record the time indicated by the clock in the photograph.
2:57
